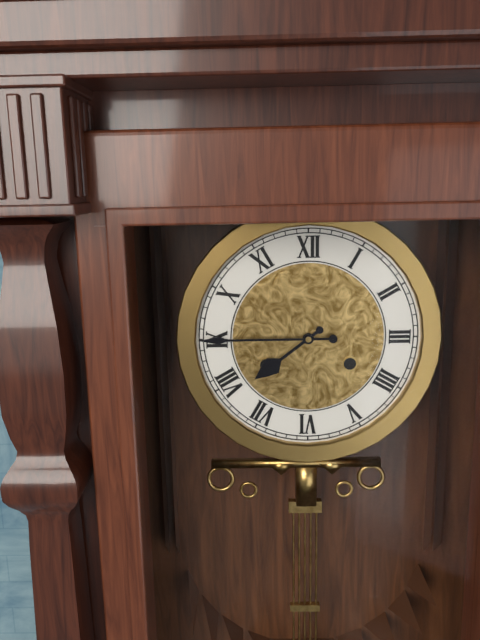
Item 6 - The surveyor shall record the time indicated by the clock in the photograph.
7:45
